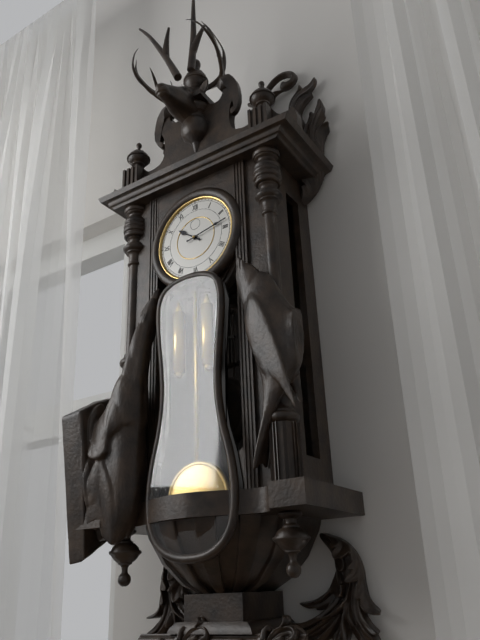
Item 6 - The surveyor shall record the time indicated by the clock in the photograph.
10:13
